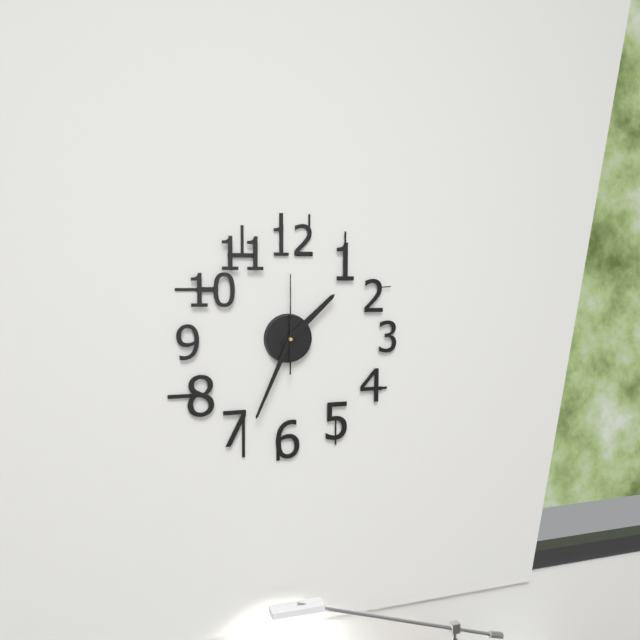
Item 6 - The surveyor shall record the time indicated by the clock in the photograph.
1:34:00
